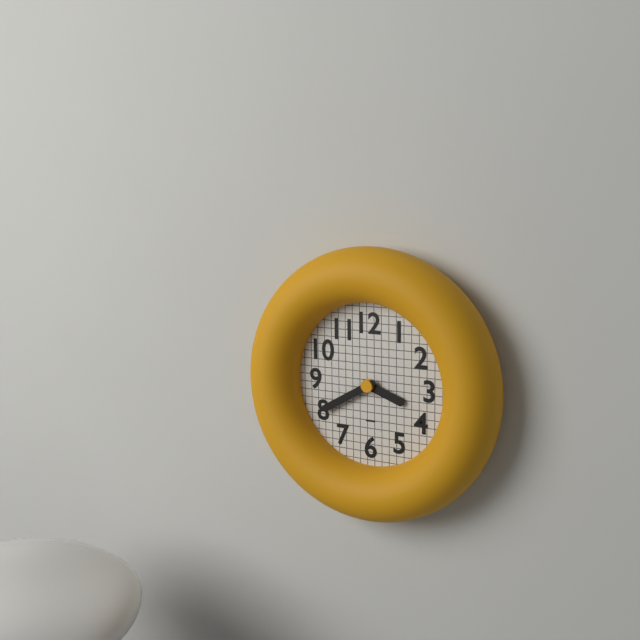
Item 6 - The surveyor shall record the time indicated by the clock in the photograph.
3:40
